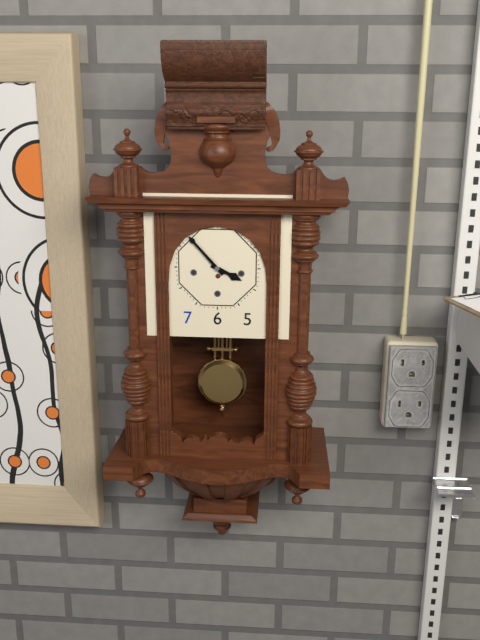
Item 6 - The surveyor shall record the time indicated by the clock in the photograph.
3:53
